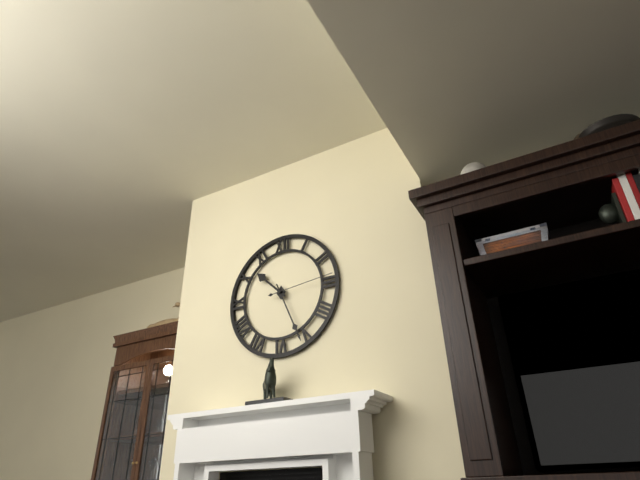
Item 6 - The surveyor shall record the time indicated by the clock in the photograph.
10:26:14
